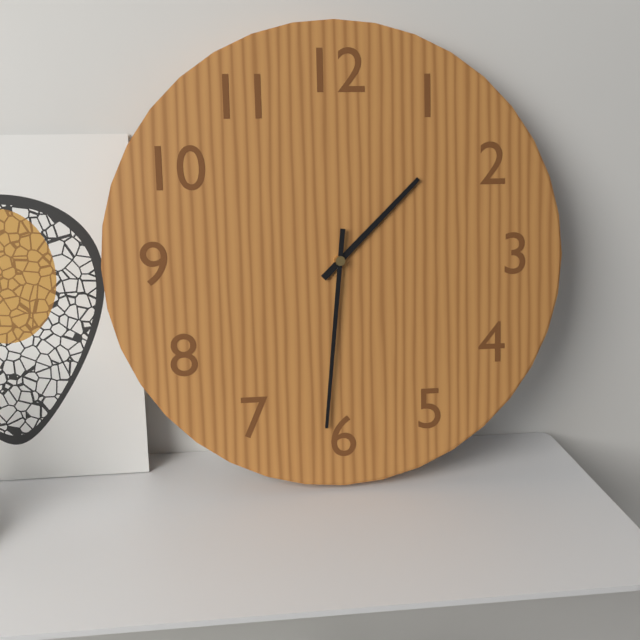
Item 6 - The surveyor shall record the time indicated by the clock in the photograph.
1:31
